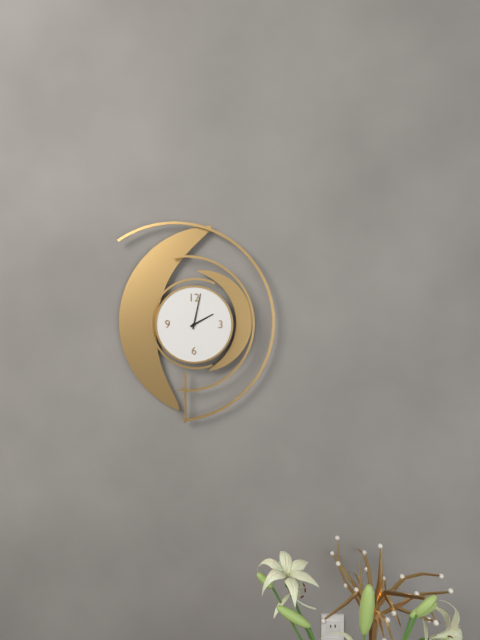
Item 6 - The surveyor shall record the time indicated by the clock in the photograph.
2:02
